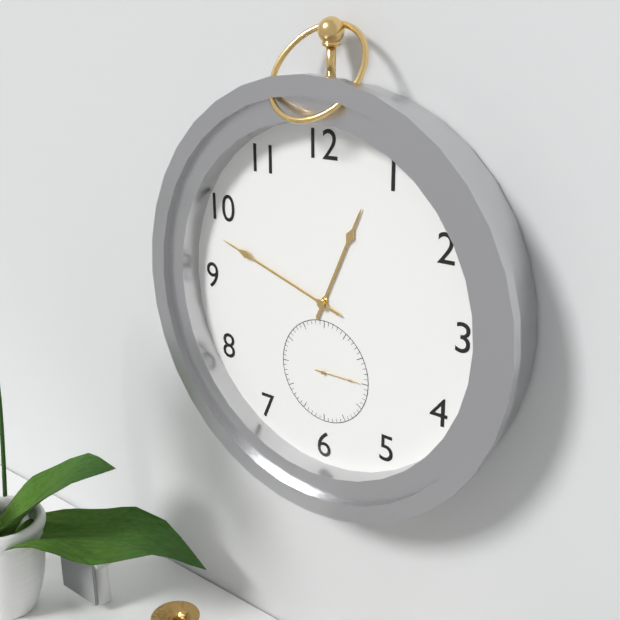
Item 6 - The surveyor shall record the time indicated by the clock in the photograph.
12:48
